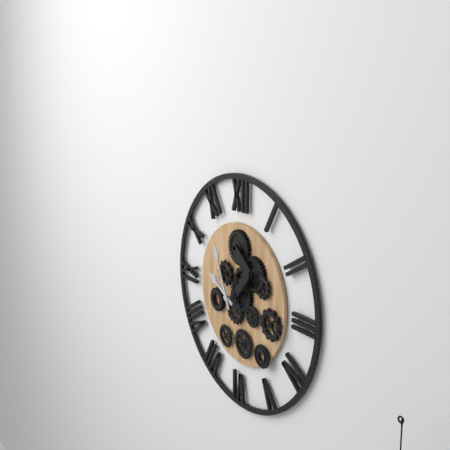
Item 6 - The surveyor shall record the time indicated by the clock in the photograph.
9:56
